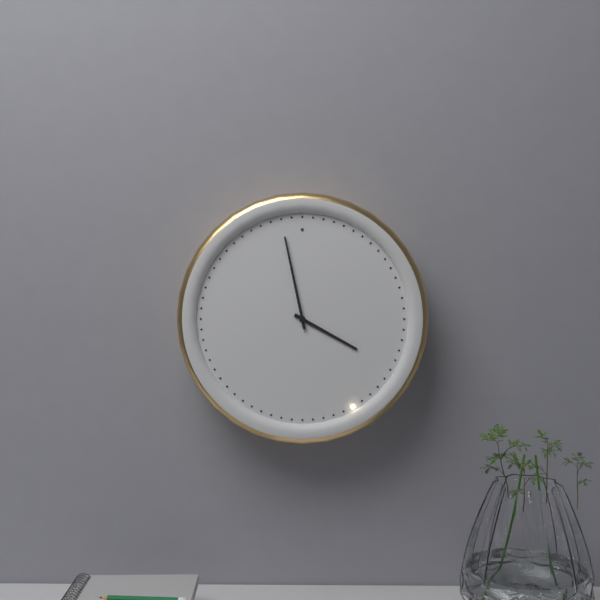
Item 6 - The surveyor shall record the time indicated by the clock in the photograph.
3:58
